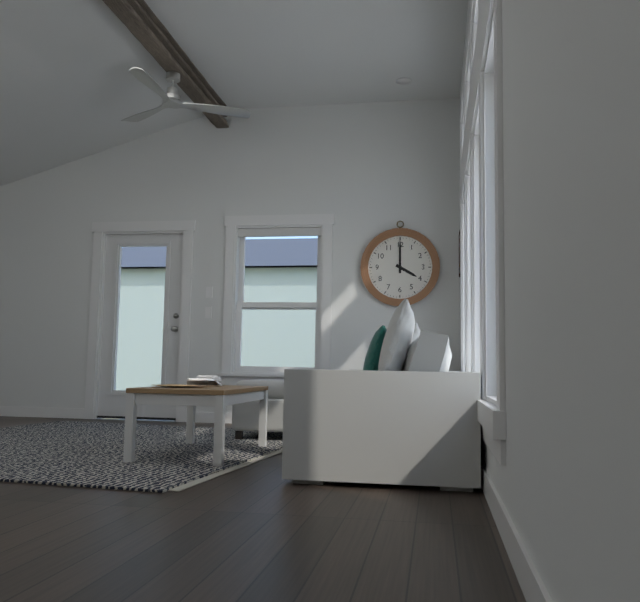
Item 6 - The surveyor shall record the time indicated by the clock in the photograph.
4:00
